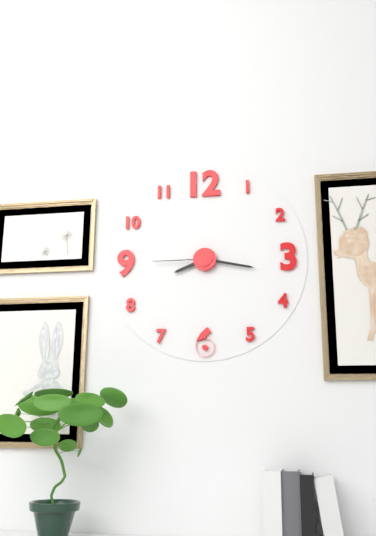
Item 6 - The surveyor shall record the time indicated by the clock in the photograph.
8:17:45
